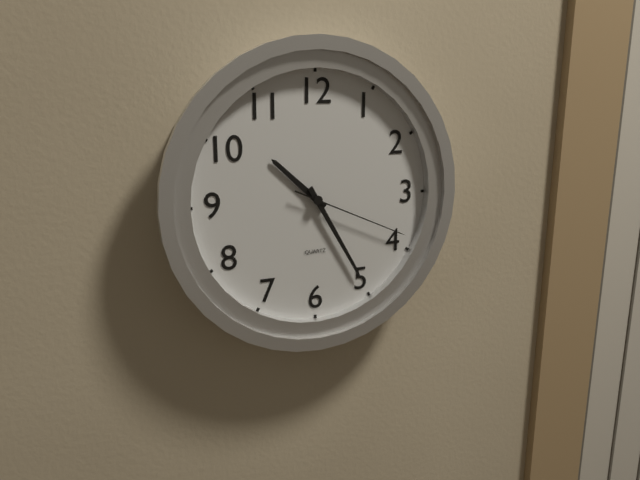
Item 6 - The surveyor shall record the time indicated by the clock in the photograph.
10:25:19
